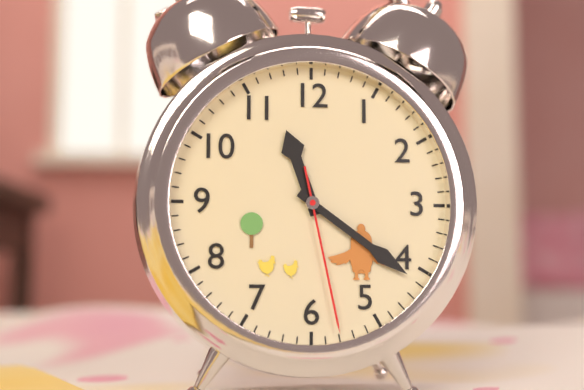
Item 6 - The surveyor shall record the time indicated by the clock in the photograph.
11:21:28
